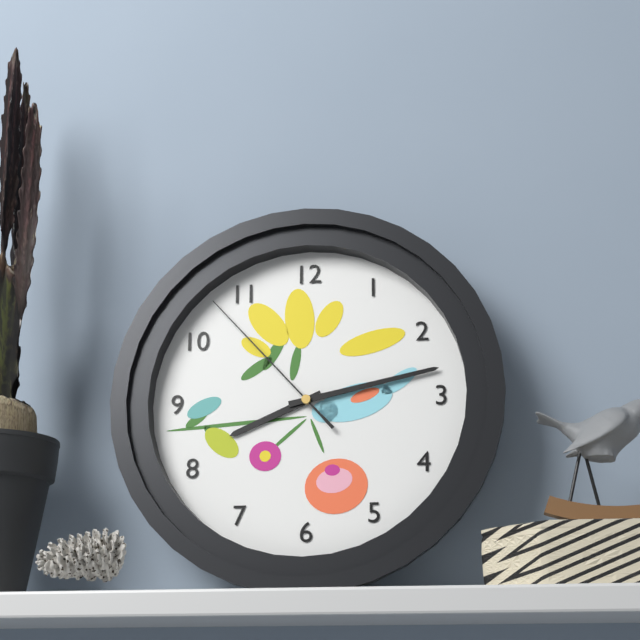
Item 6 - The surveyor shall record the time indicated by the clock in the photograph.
8:13:53
